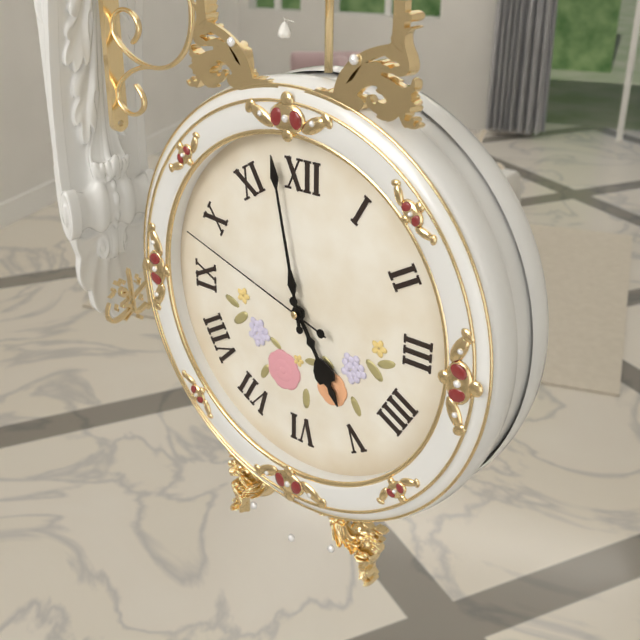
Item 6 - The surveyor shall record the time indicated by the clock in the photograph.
4:58:48
